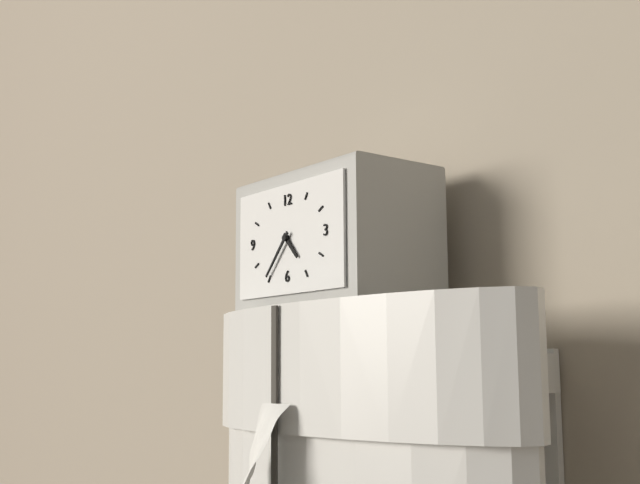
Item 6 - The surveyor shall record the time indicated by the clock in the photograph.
4:37
